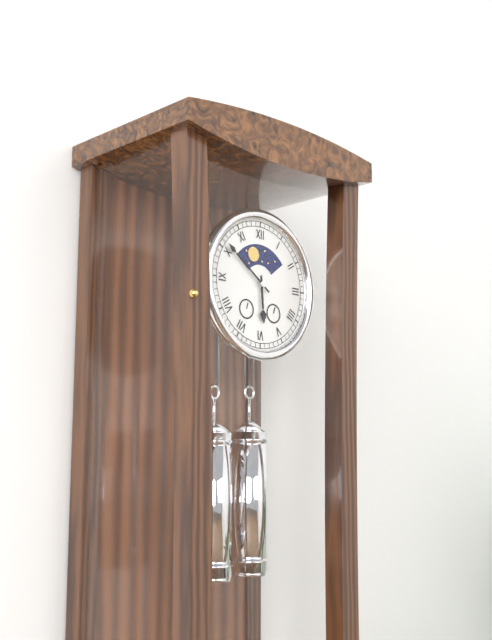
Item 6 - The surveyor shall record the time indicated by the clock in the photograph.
5:51
